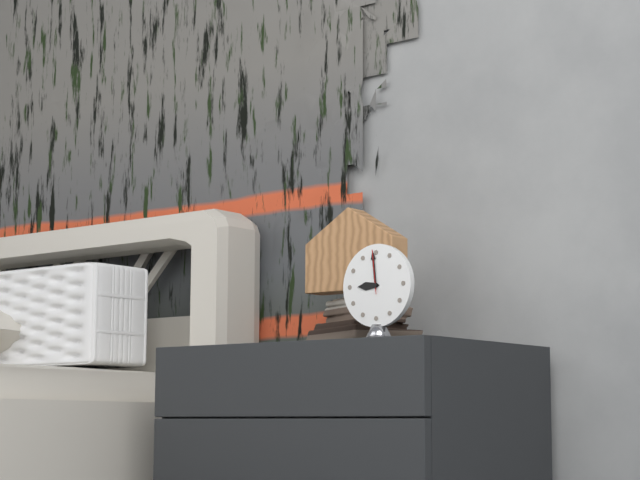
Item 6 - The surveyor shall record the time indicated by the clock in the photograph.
8:59
